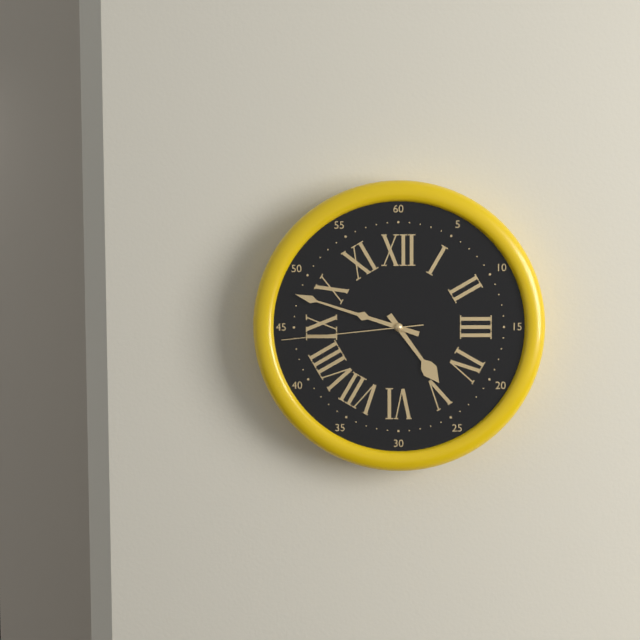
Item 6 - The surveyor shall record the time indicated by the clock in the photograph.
4:48:44
